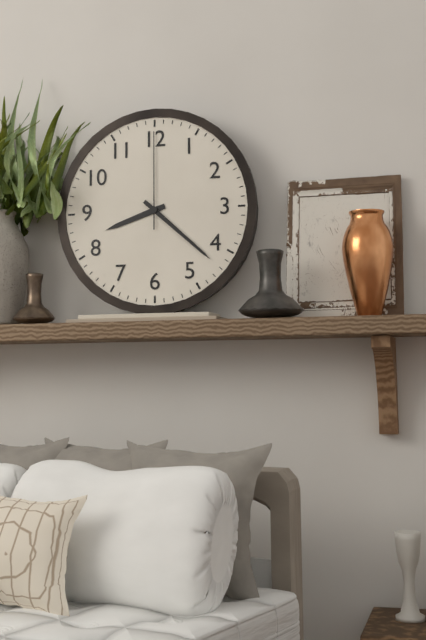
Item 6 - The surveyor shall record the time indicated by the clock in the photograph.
8:22:00
